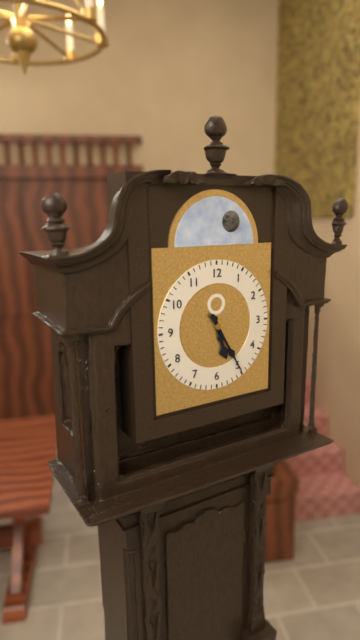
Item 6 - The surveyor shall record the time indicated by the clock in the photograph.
5:25
